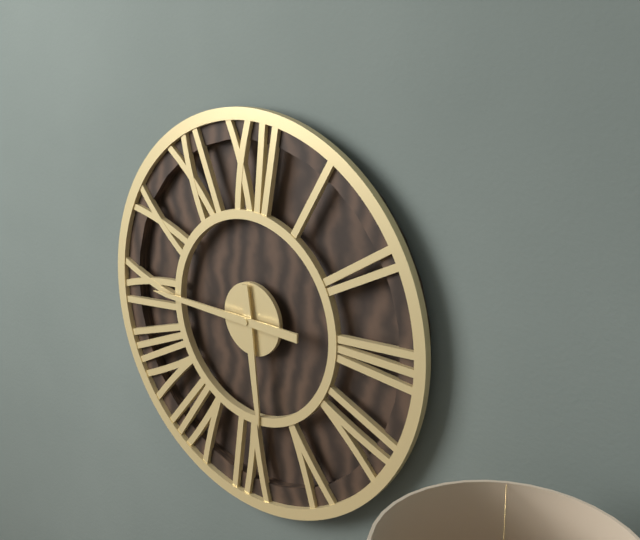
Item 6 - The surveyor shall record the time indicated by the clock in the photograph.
5:45
